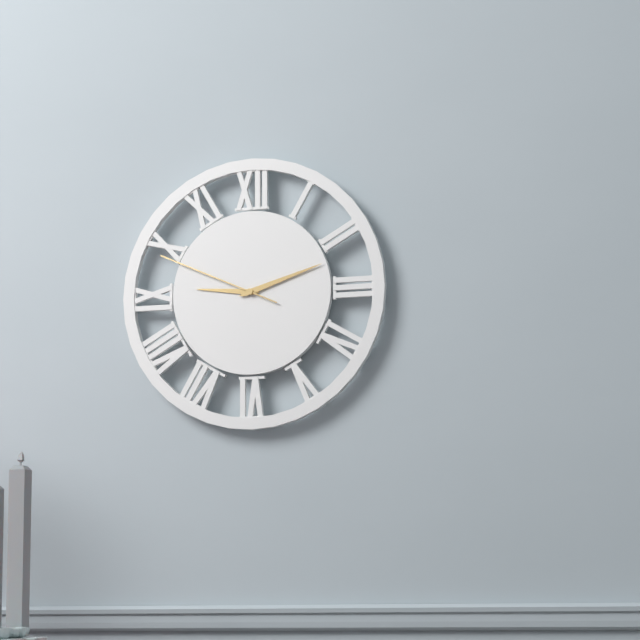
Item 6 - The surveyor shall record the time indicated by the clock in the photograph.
9:12:49
